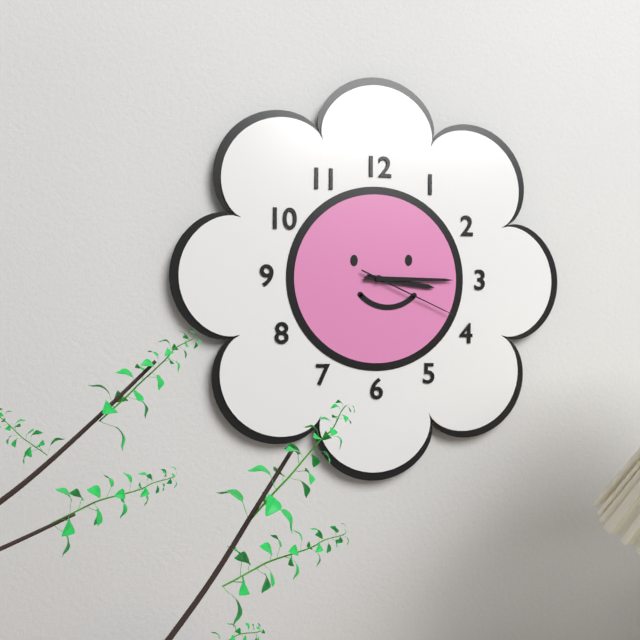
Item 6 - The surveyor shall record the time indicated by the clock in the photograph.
3:15:19
